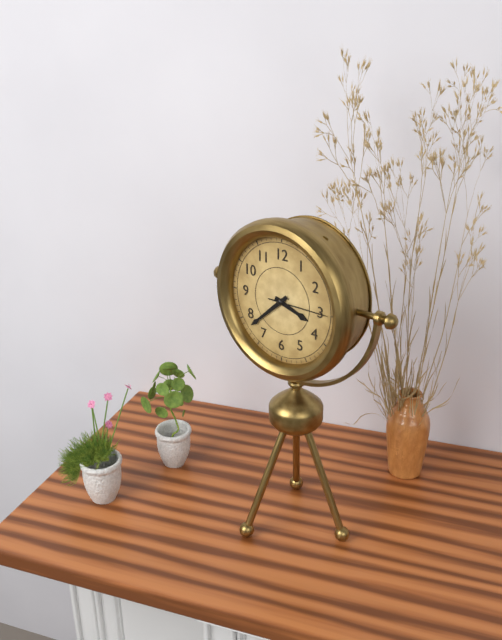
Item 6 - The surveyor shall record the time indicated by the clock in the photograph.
3:38:15
